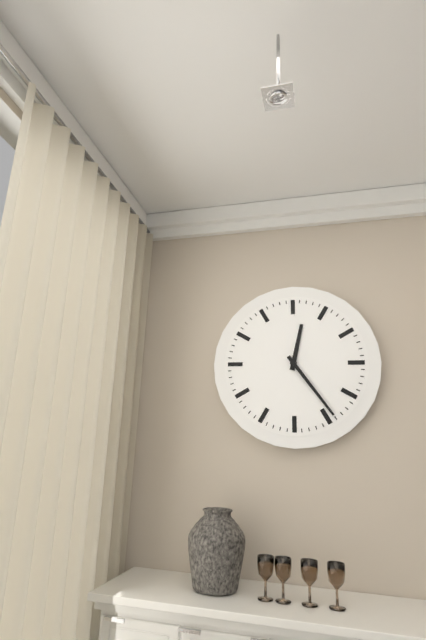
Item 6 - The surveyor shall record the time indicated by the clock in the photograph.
12:24
